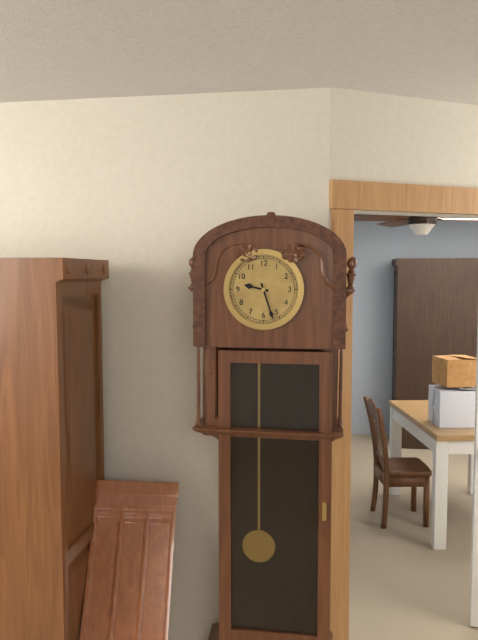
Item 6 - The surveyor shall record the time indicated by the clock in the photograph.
9:27
